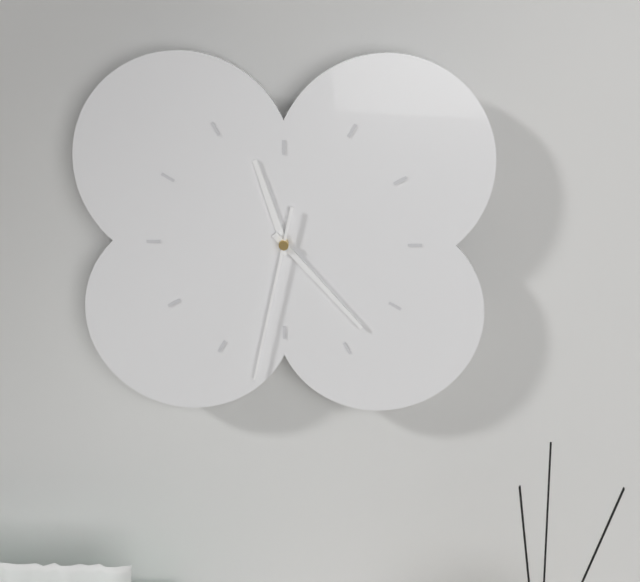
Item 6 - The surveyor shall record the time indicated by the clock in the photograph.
11:23:32
